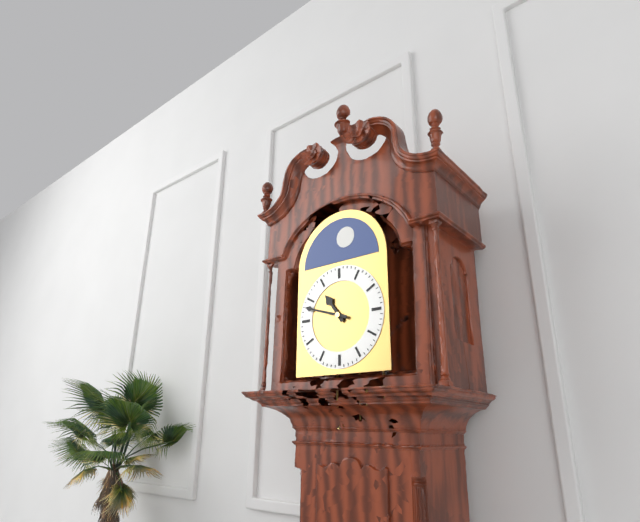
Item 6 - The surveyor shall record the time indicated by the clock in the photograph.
10:48
